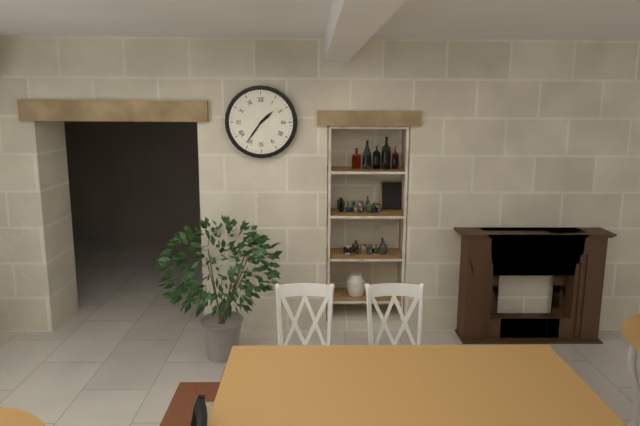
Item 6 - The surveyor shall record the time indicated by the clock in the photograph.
1:36
